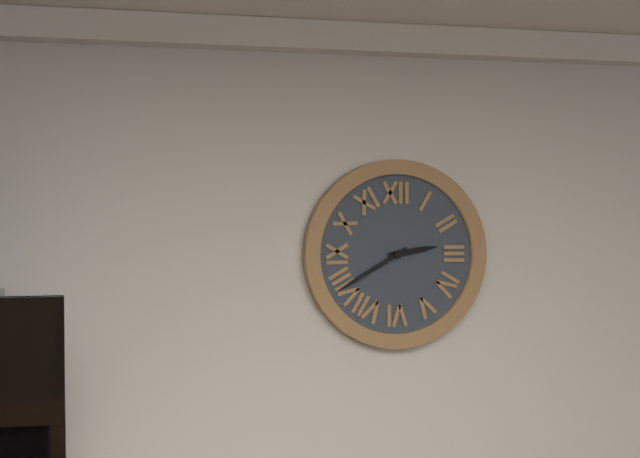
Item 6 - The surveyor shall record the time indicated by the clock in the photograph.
2:40
